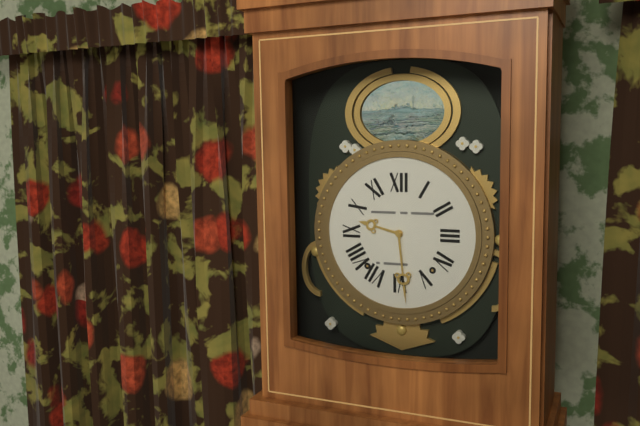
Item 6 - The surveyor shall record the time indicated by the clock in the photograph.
9:29
